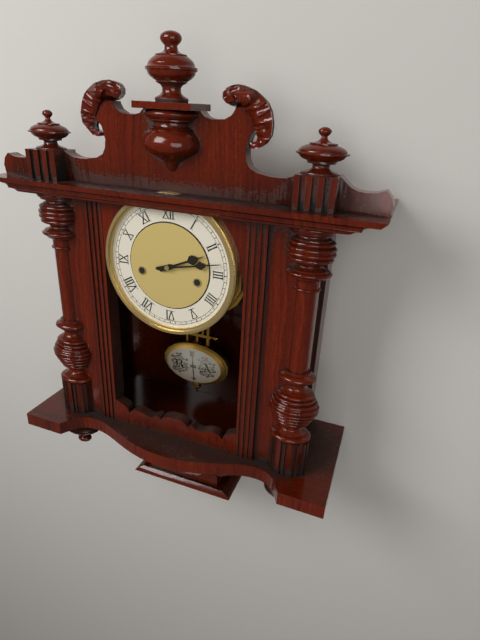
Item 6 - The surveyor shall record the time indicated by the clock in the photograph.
2:13
